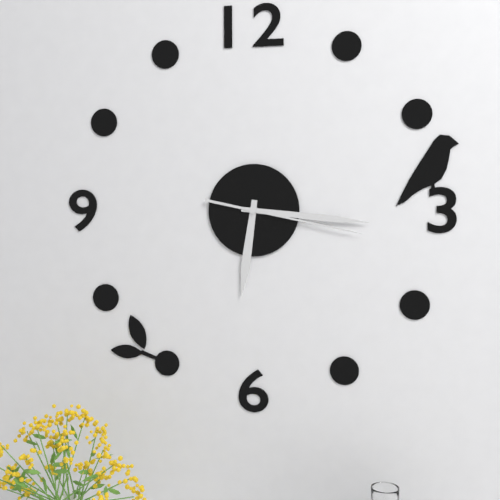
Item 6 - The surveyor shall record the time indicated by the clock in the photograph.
6:16:17
